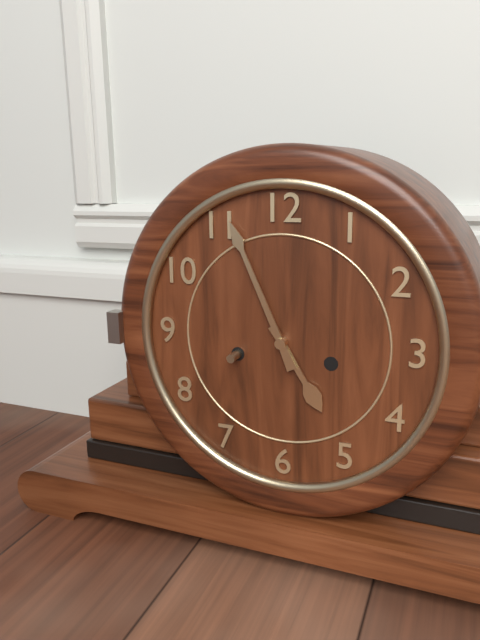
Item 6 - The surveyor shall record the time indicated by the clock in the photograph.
4:56
